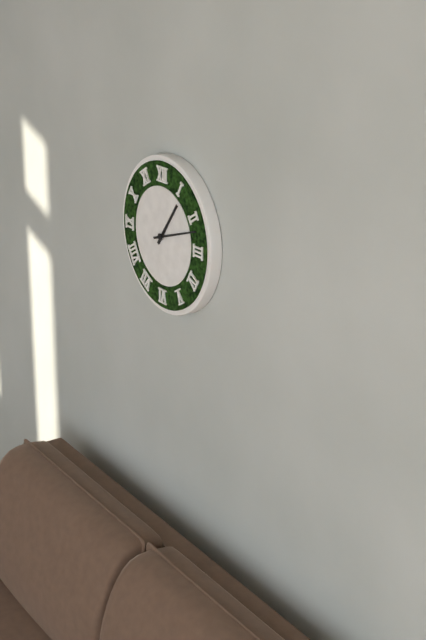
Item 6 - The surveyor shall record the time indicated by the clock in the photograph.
1:12
